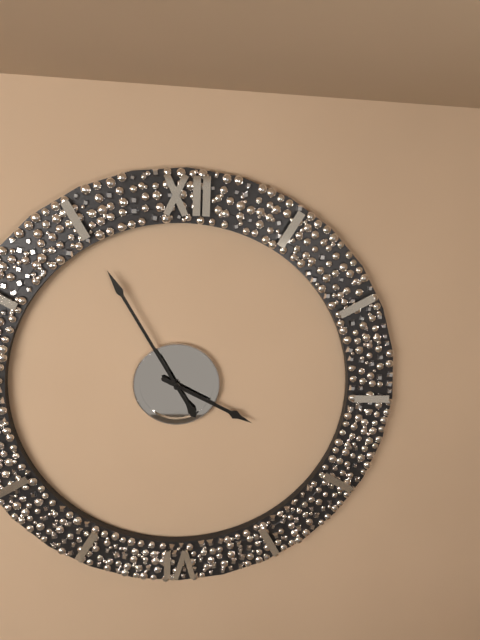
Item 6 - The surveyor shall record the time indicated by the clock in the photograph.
3:55
